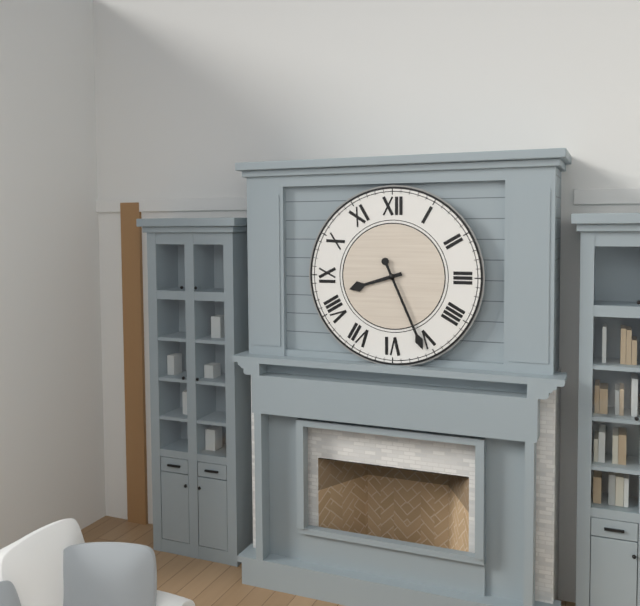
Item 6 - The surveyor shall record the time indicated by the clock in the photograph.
8:26
